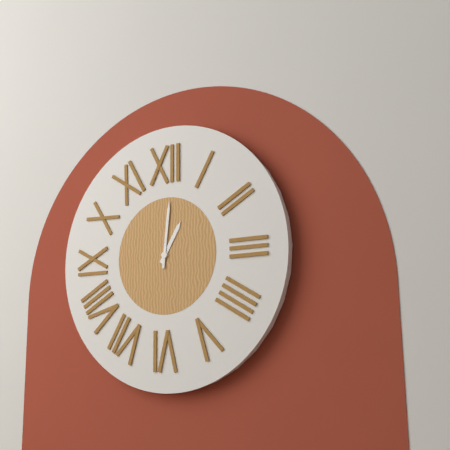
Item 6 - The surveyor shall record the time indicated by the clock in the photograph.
1:01
